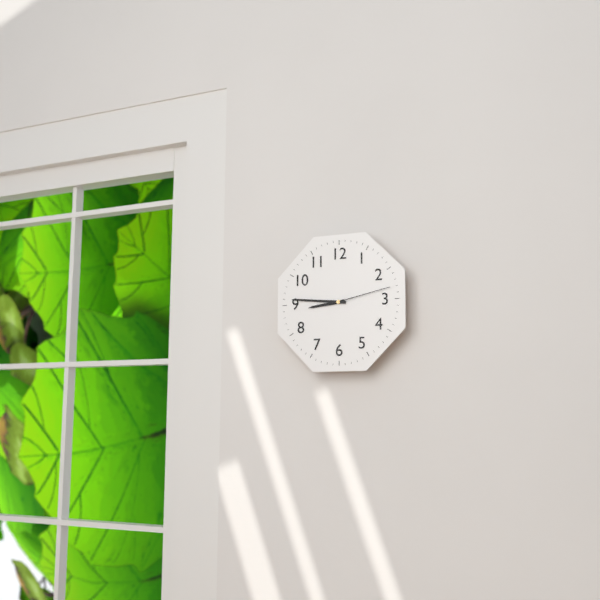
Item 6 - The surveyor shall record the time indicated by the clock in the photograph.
8:46:13
